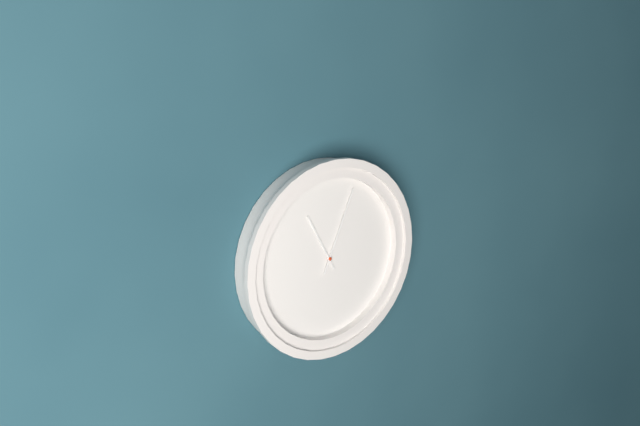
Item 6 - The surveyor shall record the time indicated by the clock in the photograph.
11:04
